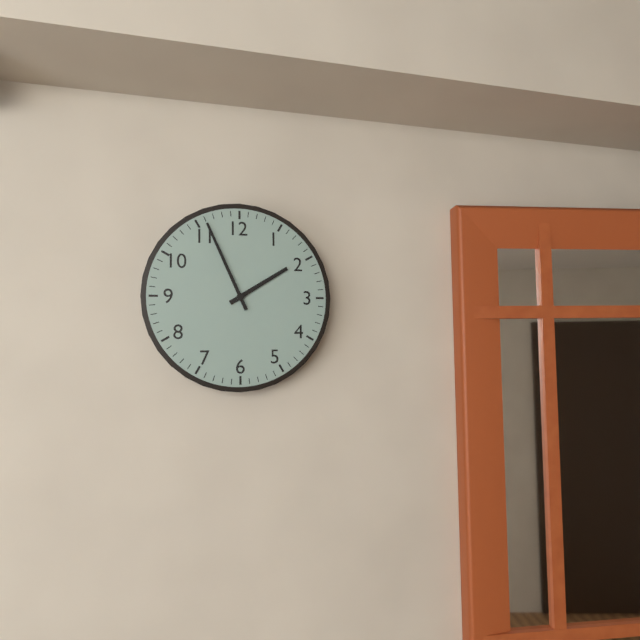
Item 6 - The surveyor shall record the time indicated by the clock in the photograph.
1:56
